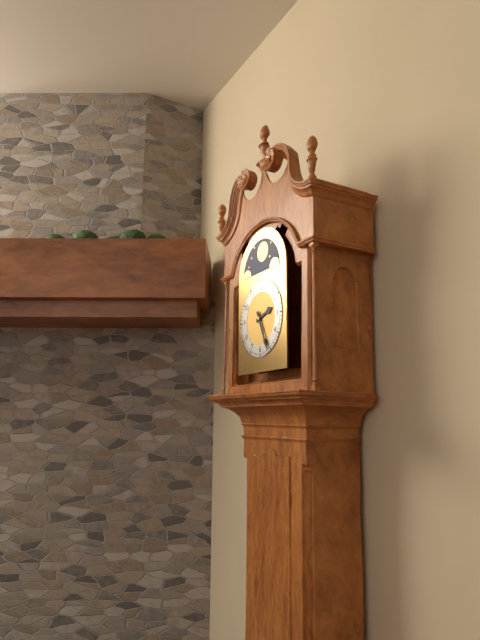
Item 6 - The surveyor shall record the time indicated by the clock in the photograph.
2:26
